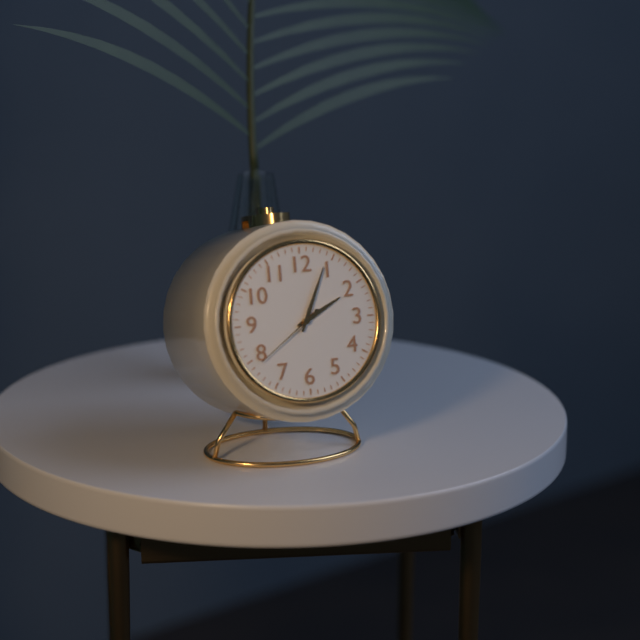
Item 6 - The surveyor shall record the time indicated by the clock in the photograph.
2:04:39
